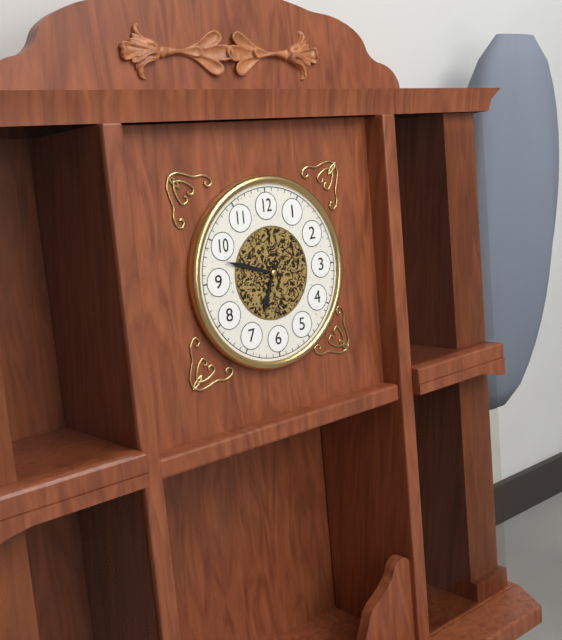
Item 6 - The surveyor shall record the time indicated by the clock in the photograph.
6:48
